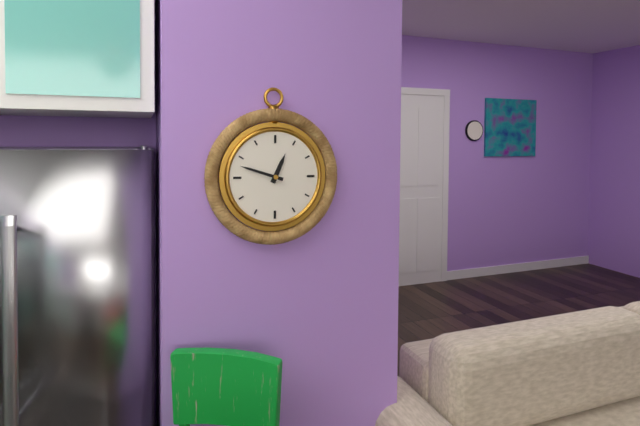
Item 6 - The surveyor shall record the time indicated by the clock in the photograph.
12:48
